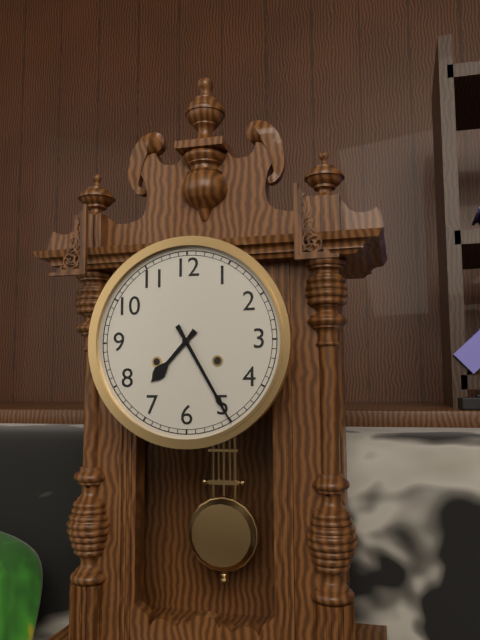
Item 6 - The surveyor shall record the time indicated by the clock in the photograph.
7:25
